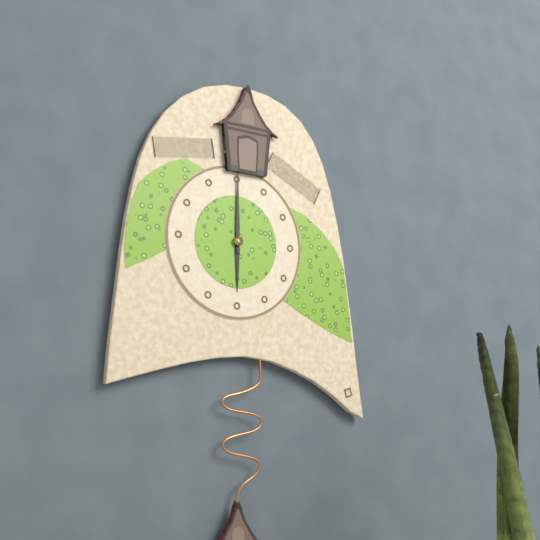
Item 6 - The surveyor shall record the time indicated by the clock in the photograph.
6:00
